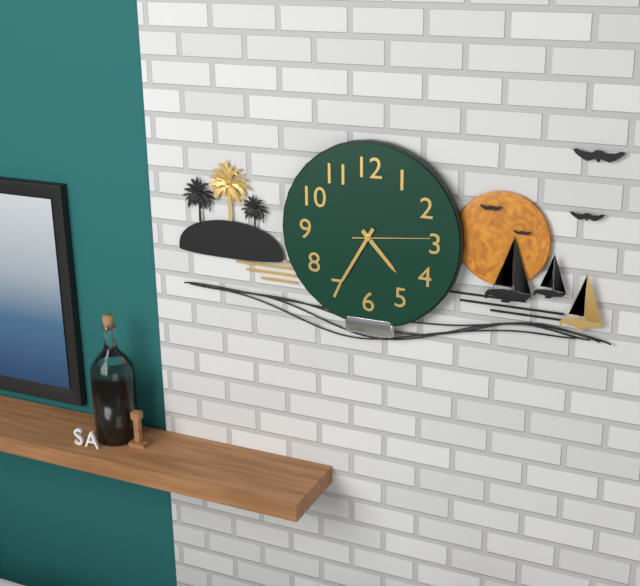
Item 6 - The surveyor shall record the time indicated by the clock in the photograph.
4:35:14
